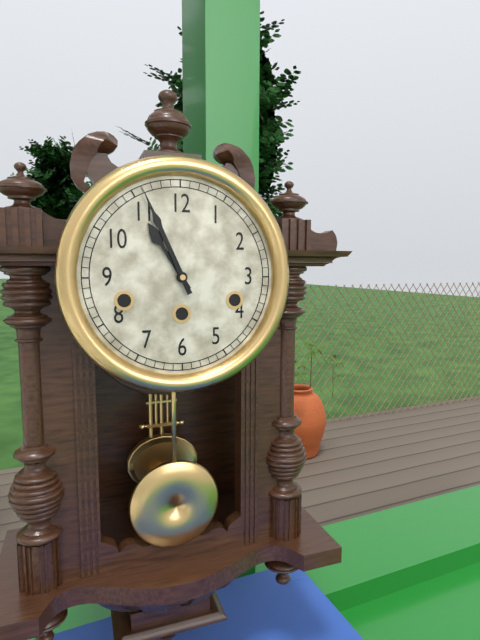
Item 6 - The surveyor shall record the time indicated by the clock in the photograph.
10:56
